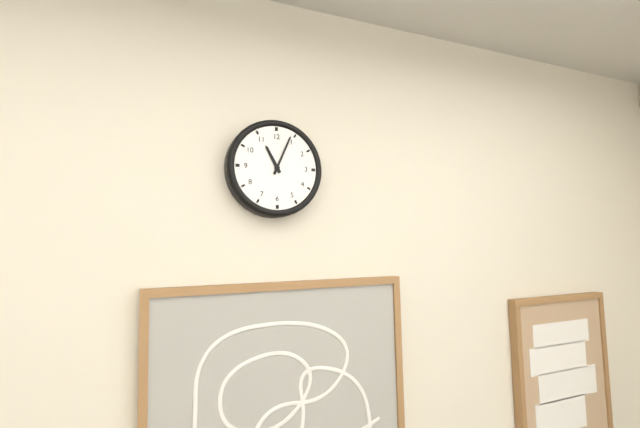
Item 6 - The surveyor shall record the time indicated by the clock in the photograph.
11:04
